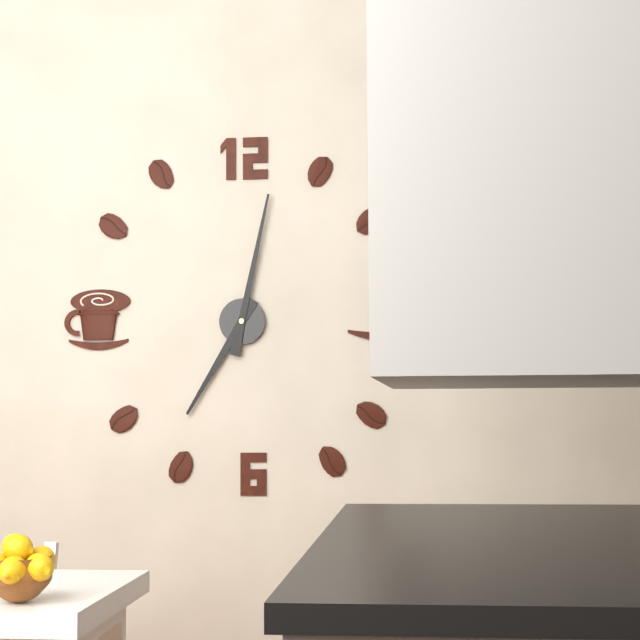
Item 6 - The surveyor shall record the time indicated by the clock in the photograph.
7:02
